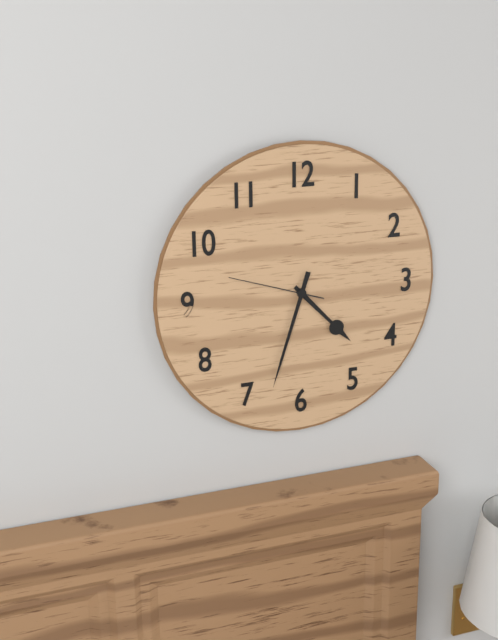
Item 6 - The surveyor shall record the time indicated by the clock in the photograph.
4:33:48
